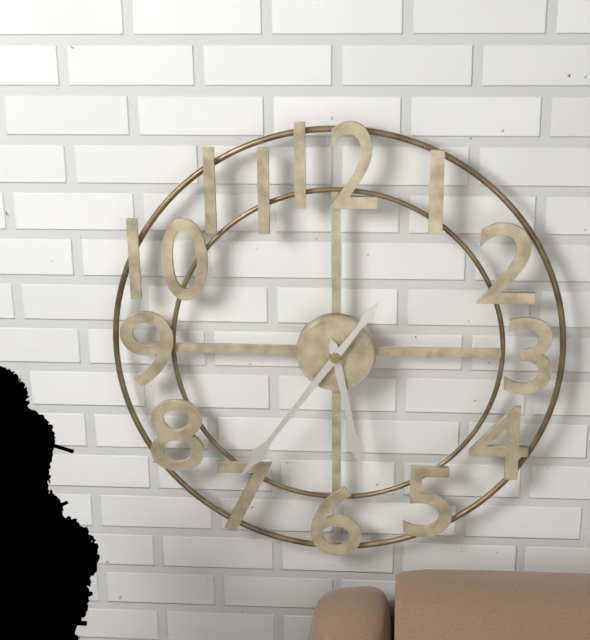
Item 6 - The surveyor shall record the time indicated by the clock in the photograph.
5:36
